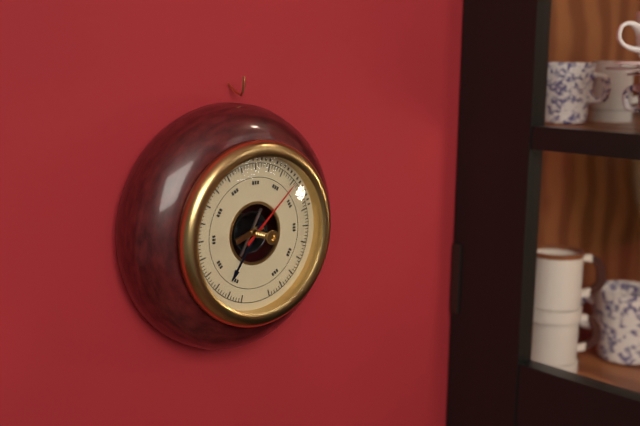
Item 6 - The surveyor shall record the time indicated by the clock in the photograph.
7:08
